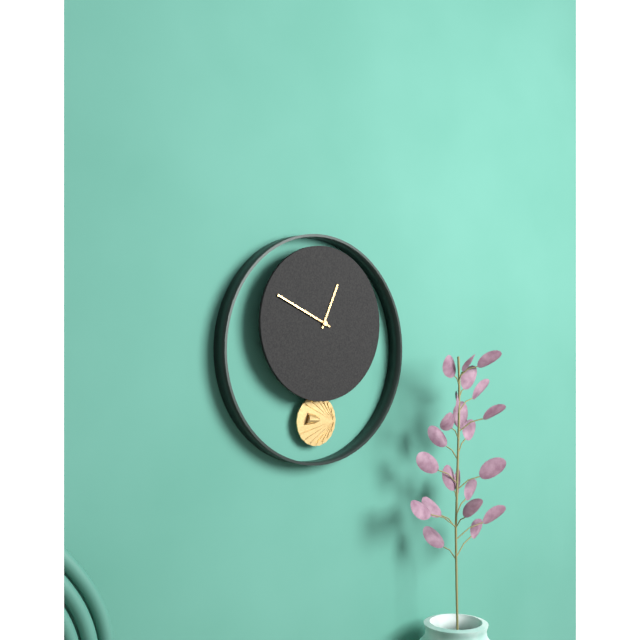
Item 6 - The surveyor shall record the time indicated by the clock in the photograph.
12:49
